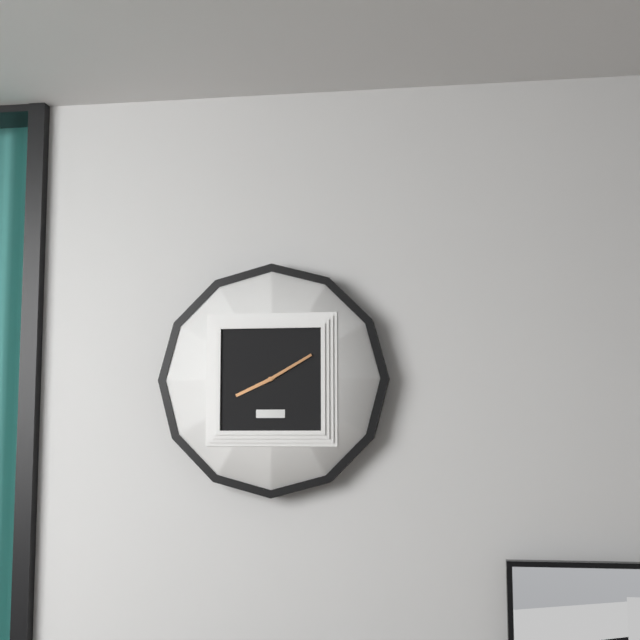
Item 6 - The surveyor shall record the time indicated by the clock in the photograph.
8:10
